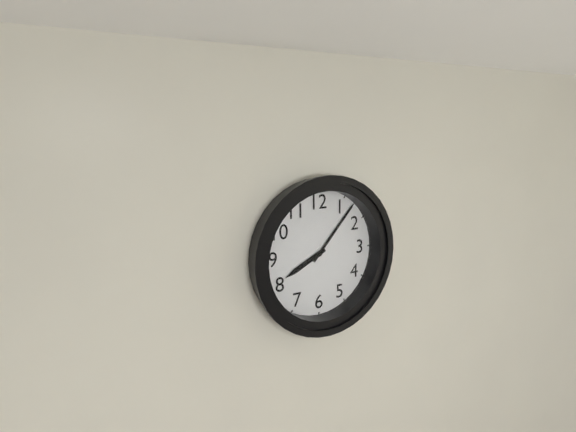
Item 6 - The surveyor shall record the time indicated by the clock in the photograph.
8:07
